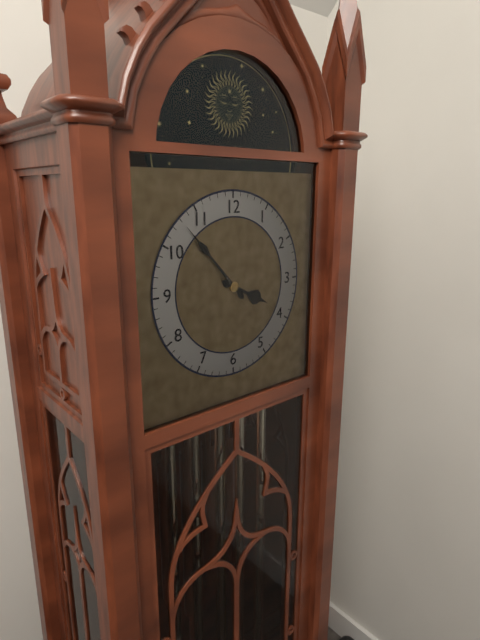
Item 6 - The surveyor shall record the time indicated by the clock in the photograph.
3:53
